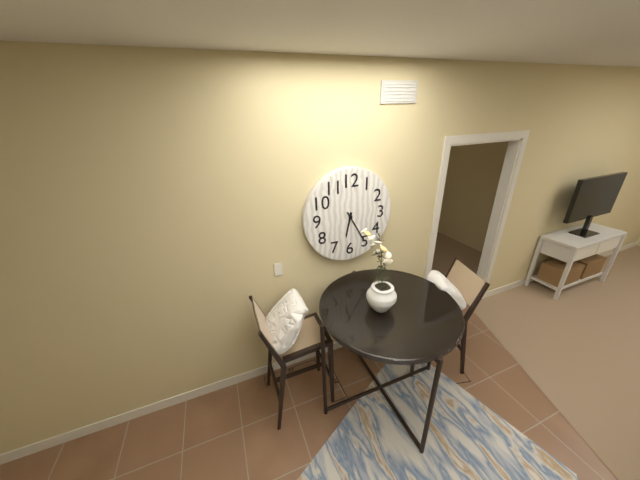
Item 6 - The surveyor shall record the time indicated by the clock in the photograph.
6:25
